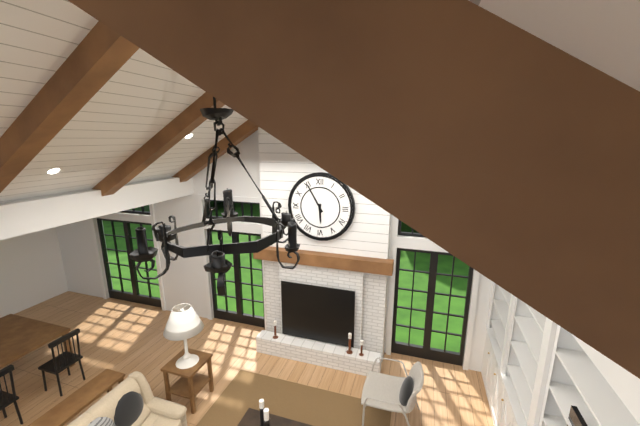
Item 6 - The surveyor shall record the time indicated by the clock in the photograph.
5:55
